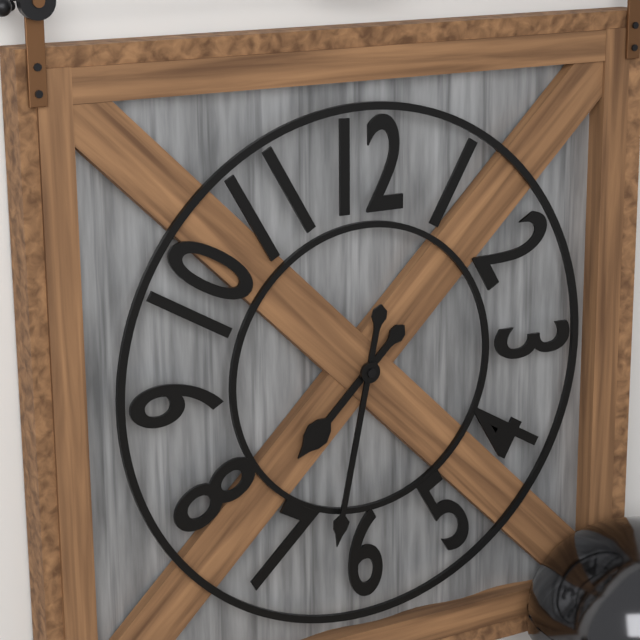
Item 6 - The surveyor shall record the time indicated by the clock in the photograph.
7:32
